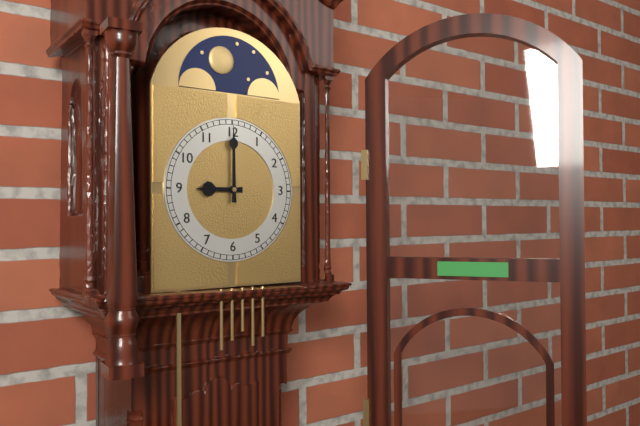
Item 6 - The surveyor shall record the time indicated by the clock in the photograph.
9:00
